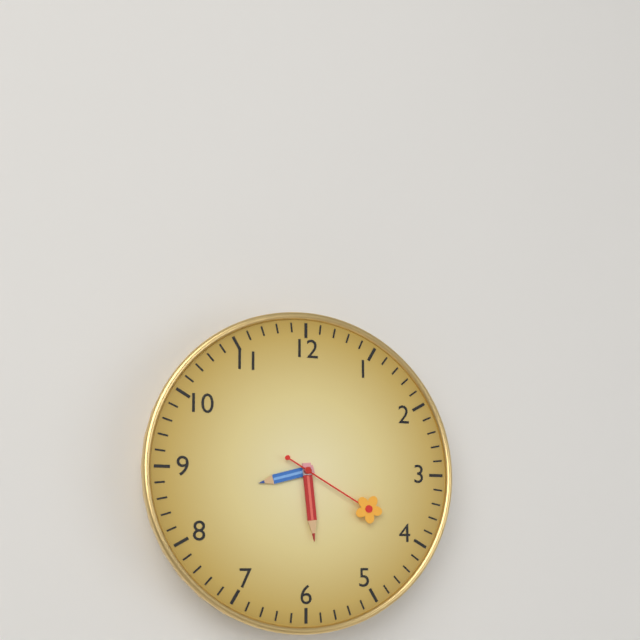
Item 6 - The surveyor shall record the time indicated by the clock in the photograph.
8:29:20
